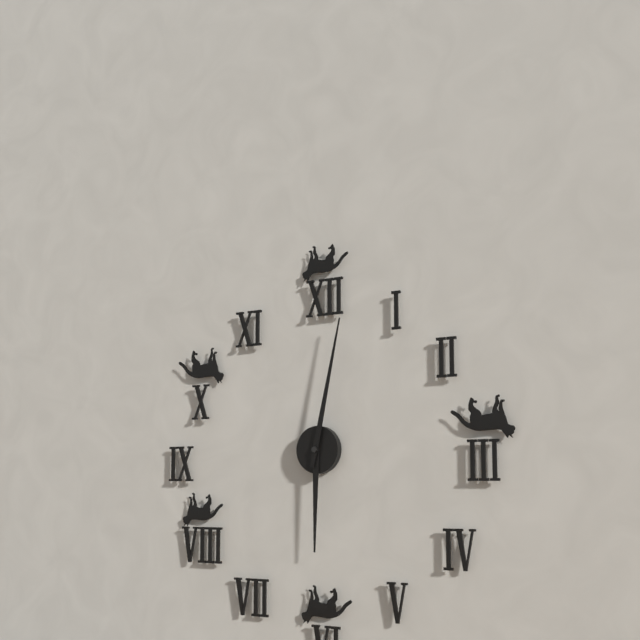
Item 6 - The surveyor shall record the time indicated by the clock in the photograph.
6:02
